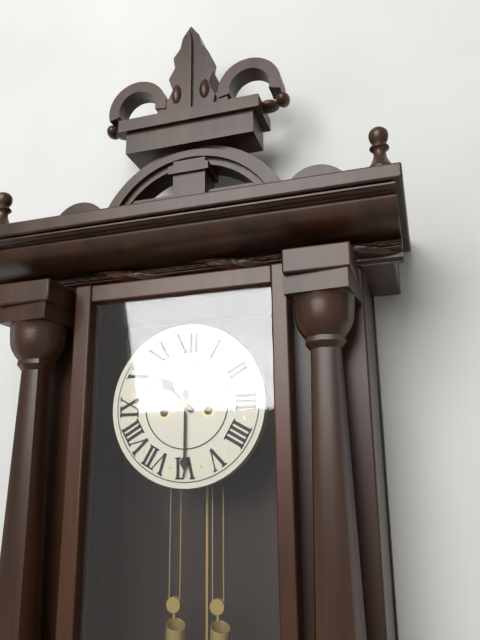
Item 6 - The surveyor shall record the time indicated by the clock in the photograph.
10:30
